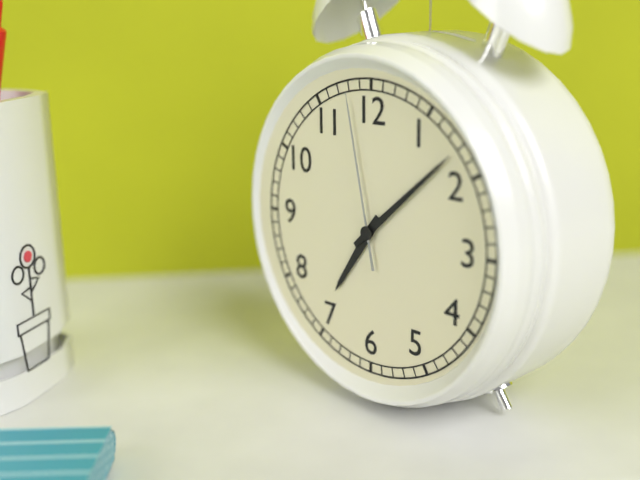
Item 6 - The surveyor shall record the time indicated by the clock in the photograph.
7:08:58
